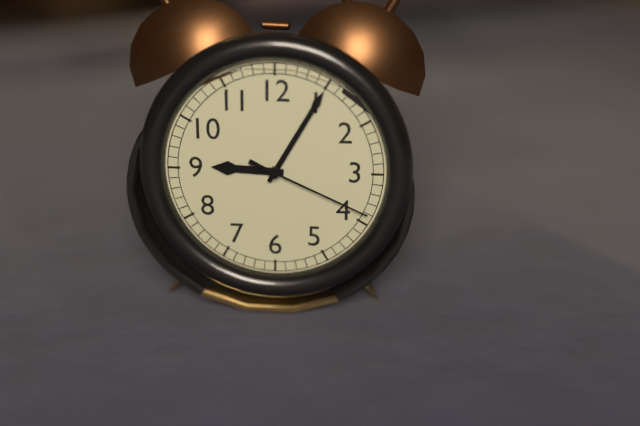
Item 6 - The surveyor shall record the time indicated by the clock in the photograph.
9:05:19
